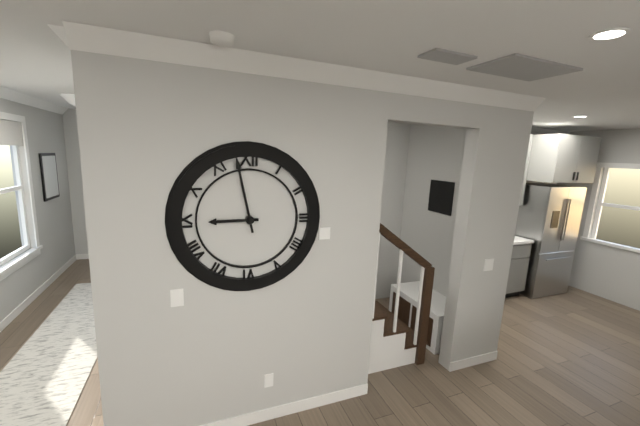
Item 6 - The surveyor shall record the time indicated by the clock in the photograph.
8:58
